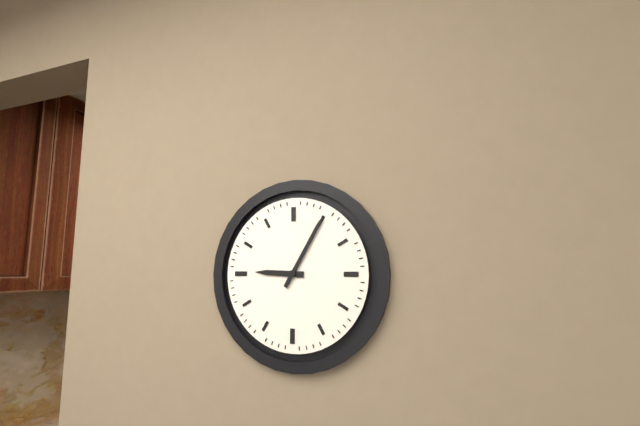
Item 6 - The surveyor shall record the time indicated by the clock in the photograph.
9:05
